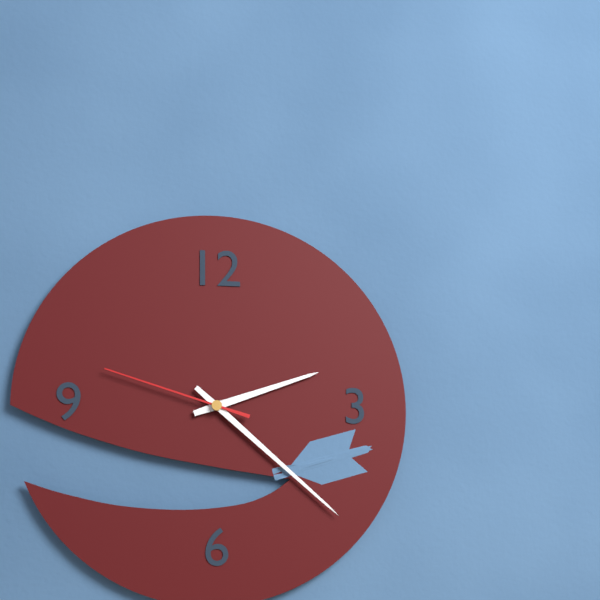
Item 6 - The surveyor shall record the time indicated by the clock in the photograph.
2:22:48
